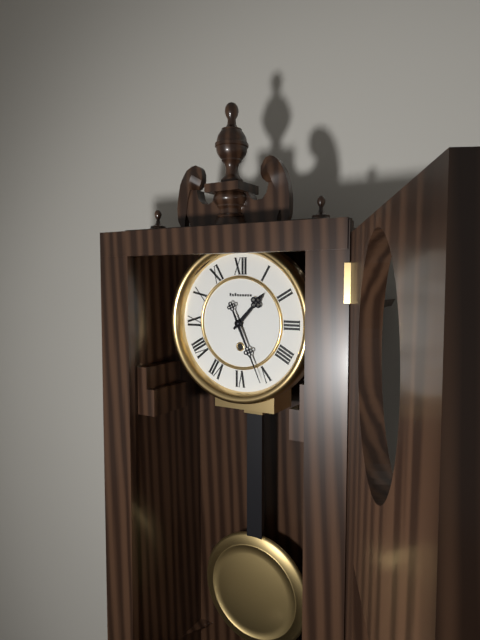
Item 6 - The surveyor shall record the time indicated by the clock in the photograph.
1:26
